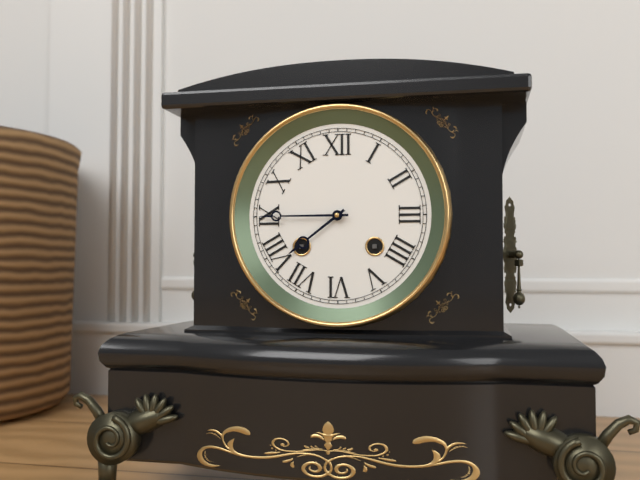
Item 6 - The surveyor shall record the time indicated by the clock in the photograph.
7:45
